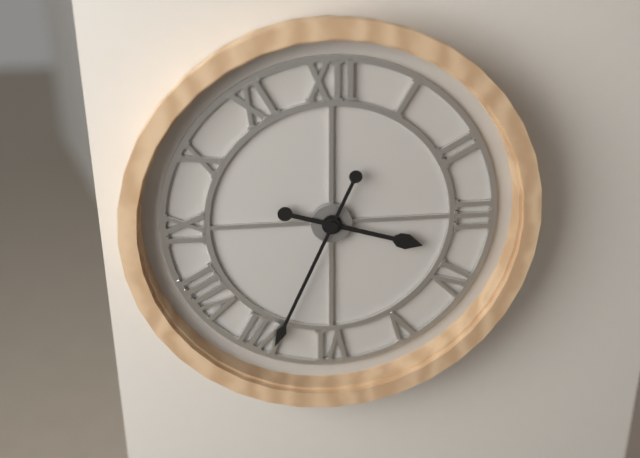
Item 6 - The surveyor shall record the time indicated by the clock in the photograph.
3:34
